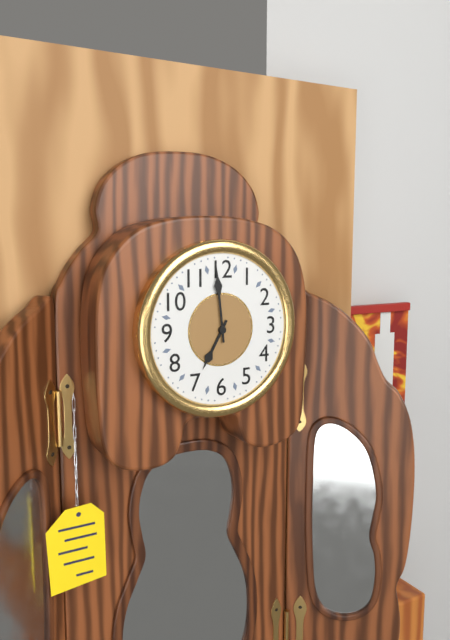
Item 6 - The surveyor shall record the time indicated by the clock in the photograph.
6:59
